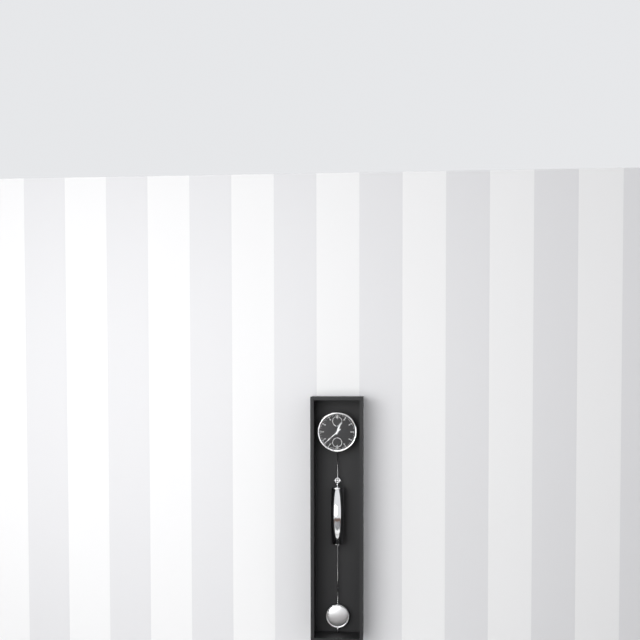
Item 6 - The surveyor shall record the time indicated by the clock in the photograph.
12:38
